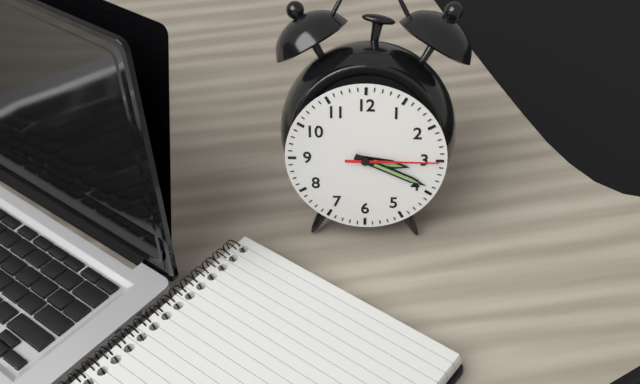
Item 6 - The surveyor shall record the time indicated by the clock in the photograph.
3:19:15
